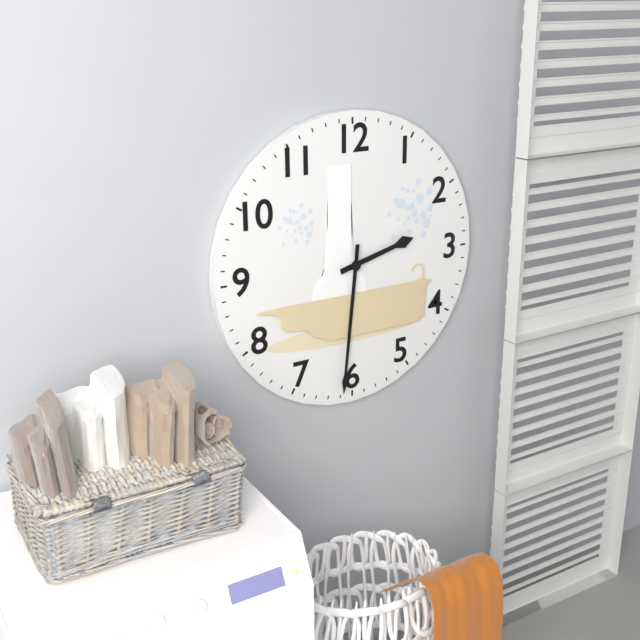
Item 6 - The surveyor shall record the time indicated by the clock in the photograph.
2:31
